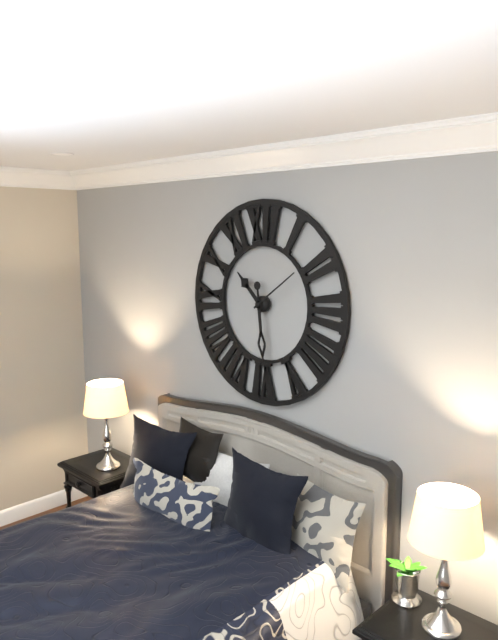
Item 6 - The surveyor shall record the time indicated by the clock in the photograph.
10:29:09
